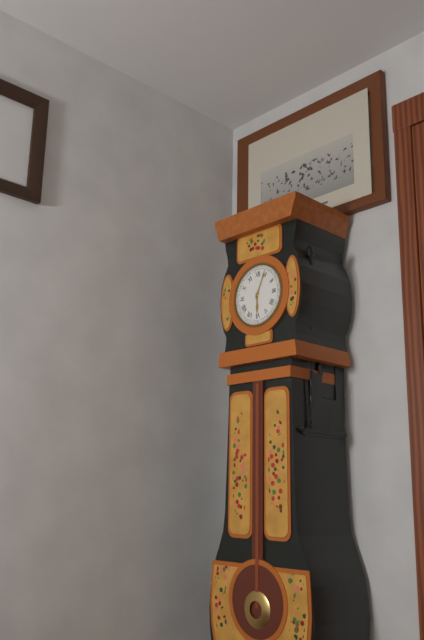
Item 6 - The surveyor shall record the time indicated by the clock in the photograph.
6:04
